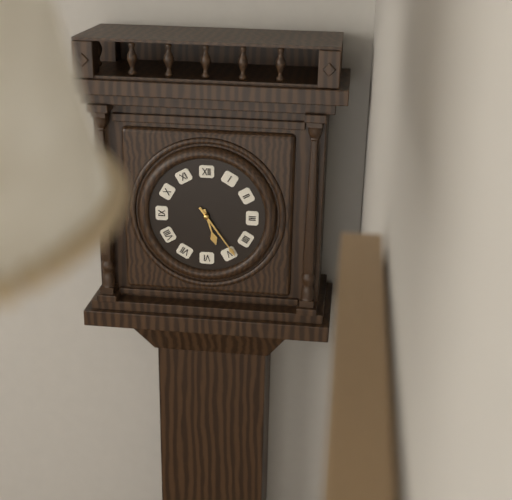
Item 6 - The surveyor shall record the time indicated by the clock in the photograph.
5:24
